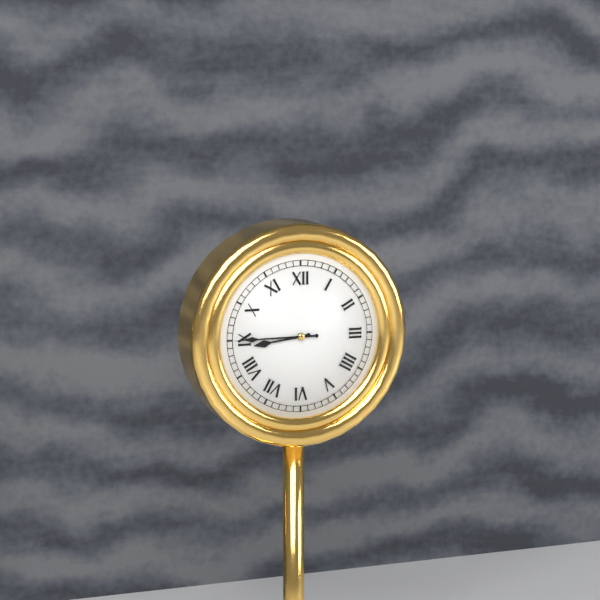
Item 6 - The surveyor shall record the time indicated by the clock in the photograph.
8:45
